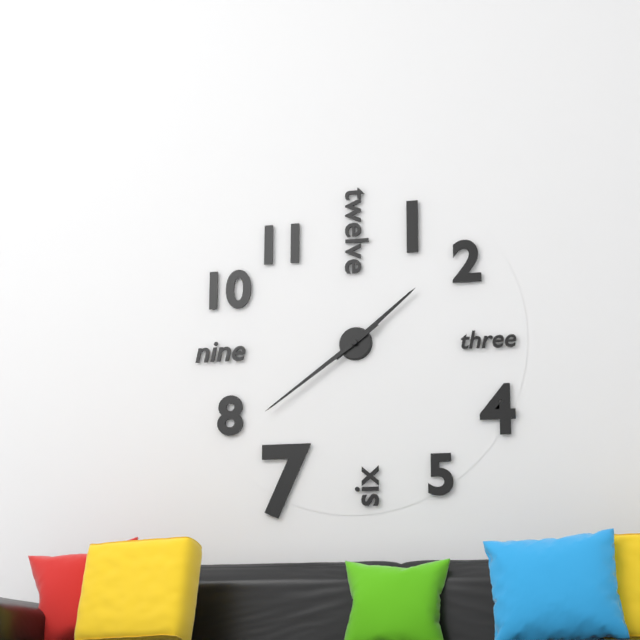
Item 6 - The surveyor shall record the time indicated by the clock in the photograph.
1:39
